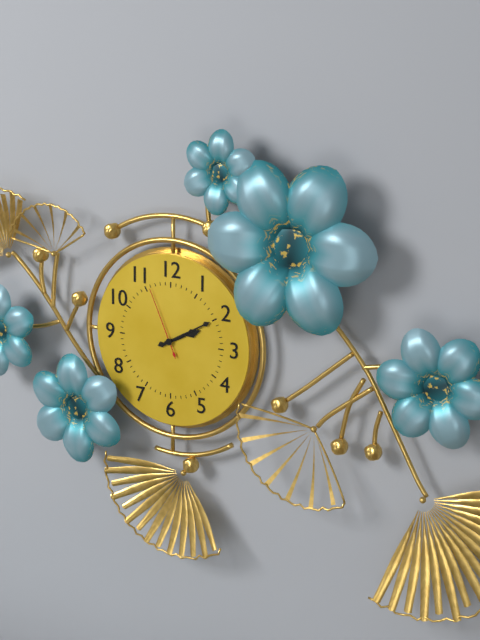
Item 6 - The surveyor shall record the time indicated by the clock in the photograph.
2:10:56
